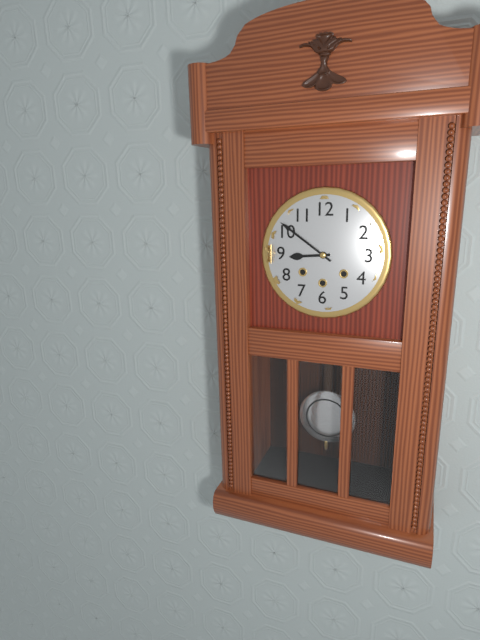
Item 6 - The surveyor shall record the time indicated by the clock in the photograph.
8:51
